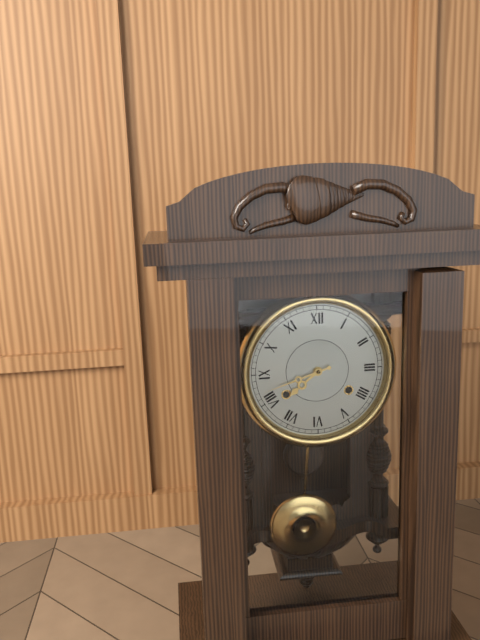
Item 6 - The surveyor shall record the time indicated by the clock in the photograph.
7:42
